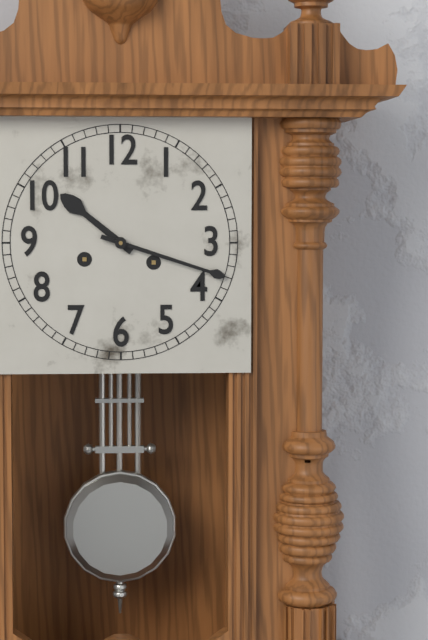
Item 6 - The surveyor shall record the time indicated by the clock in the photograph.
10:18
